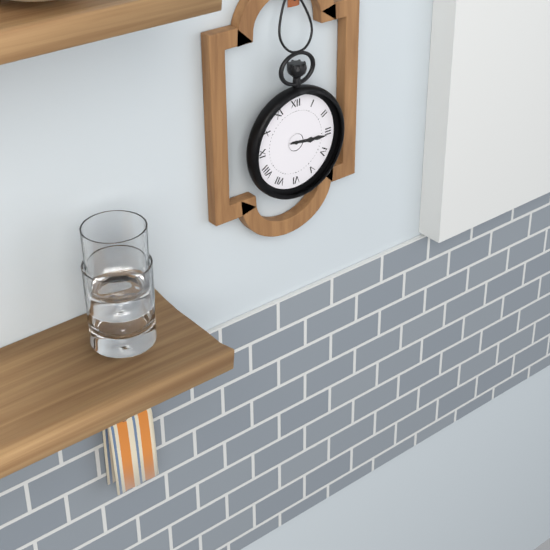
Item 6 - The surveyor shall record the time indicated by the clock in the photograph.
3:16
